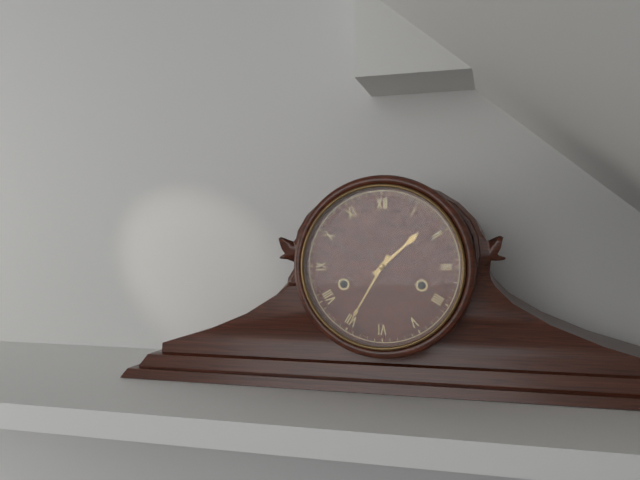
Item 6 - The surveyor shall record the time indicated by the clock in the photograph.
1:35
